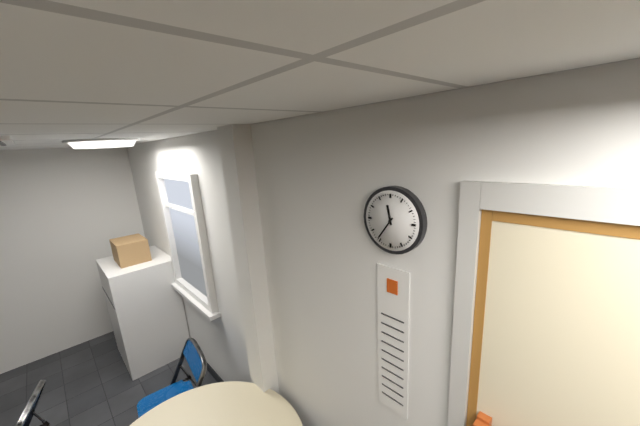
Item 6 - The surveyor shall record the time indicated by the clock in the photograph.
11:36
